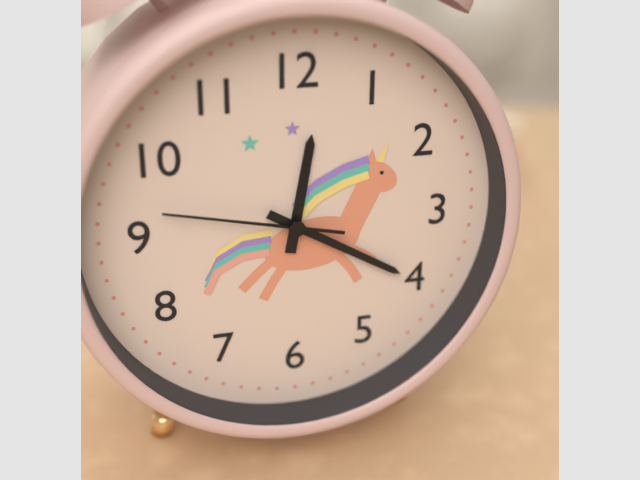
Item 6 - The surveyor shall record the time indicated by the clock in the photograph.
12:20:47
